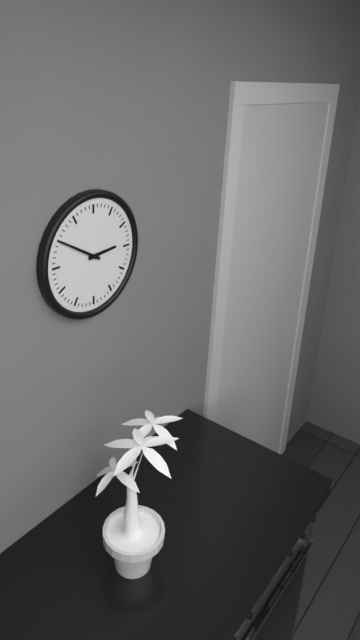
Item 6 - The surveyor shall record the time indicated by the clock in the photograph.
2:50
